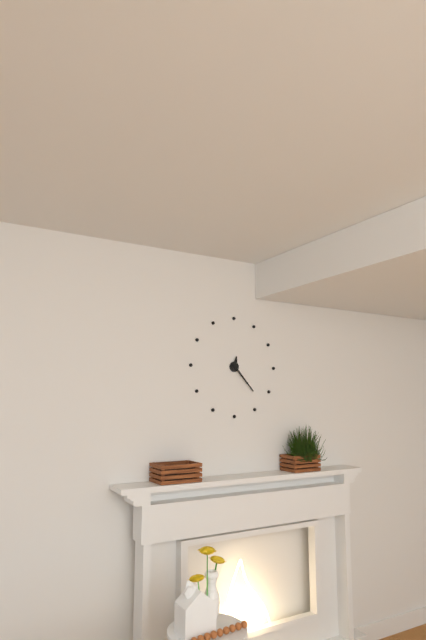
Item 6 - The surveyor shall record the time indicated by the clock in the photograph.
12:23
